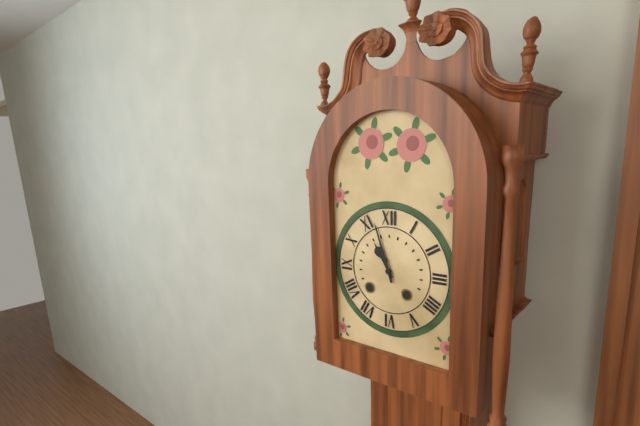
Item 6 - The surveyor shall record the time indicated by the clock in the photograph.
10:57
